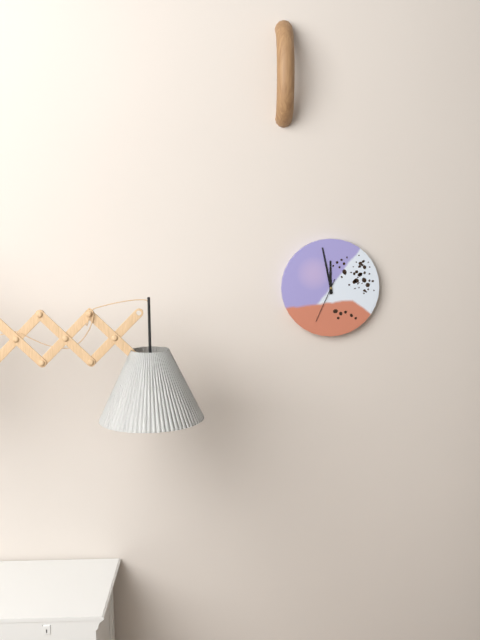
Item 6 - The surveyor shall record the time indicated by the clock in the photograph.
11:58
